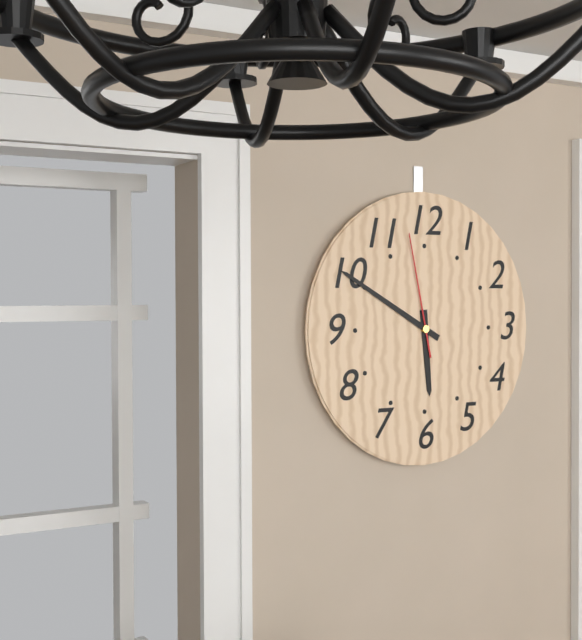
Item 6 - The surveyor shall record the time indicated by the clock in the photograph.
5:50:58
